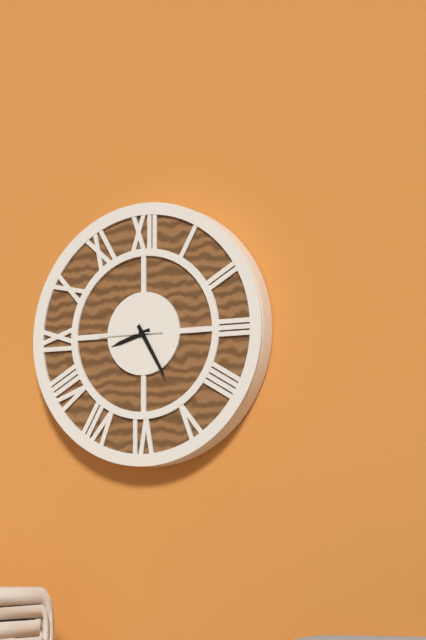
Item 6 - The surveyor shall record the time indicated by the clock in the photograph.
8:25:45
